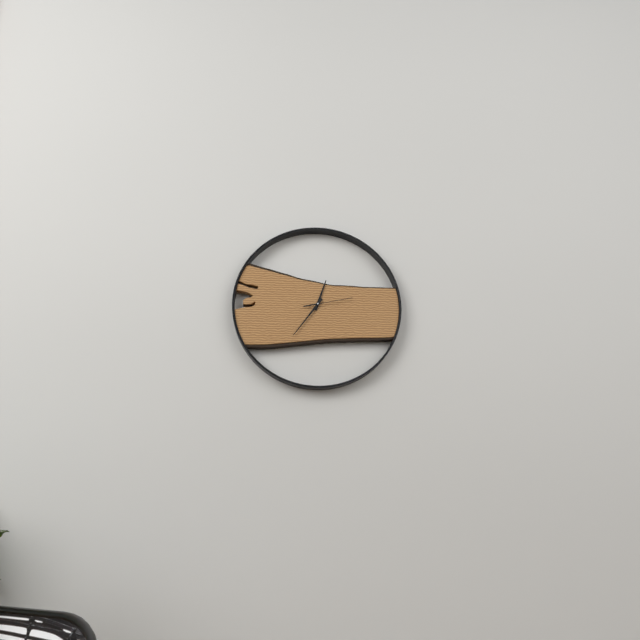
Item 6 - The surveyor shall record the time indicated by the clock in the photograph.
12:36
